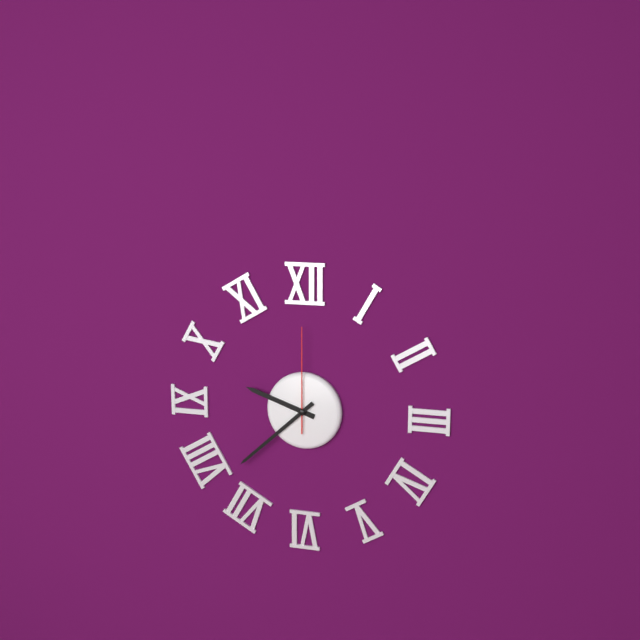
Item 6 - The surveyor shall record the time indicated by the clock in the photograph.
9:38:00
